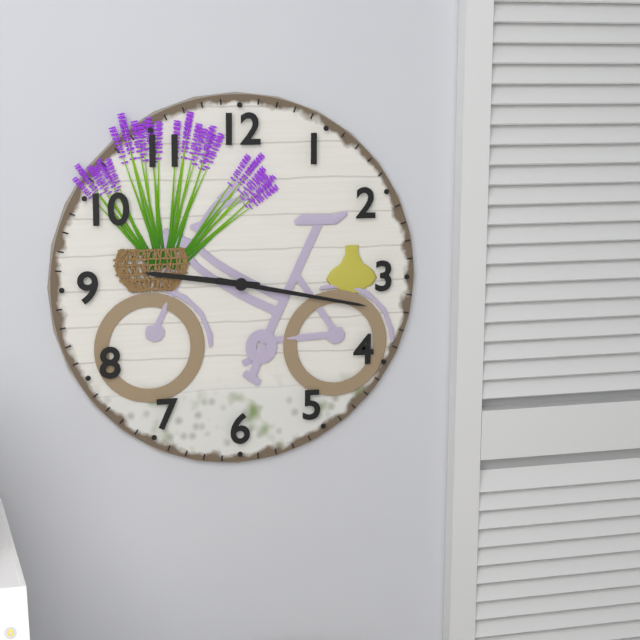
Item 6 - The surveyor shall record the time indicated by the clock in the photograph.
9:17
